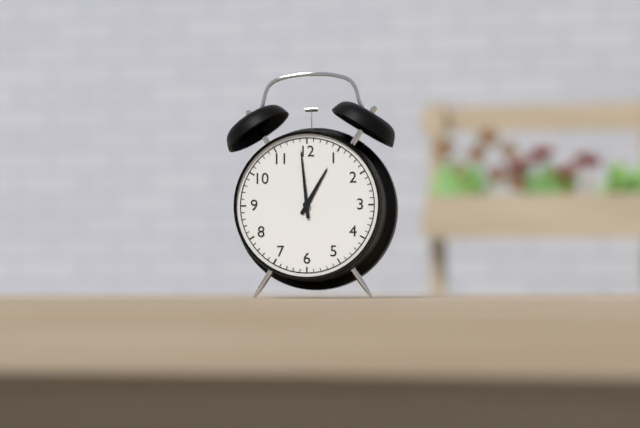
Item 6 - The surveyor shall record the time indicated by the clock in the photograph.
12:59
